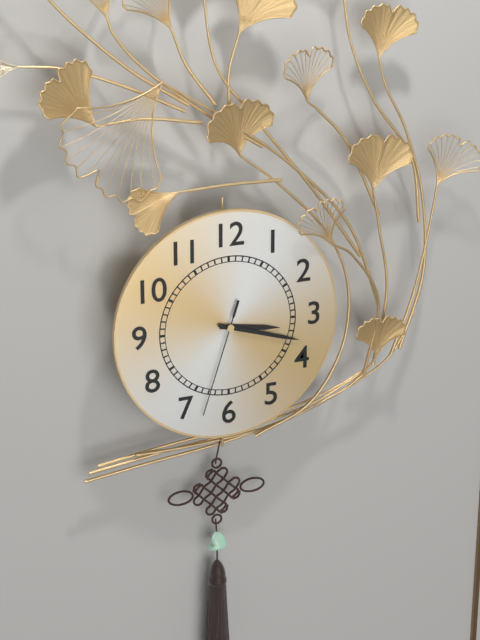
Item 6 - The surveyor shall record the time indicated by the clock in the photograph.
3:18:33
